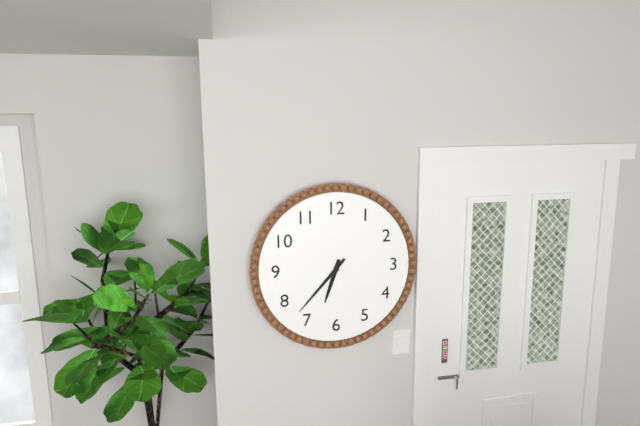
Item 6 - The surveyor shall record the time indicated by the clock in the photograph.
6:37
